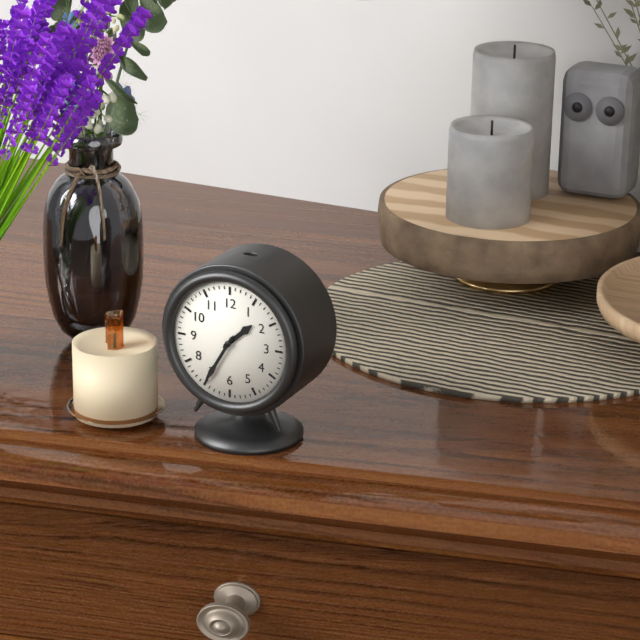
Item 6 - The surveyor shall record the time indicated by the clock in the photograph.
1:35
